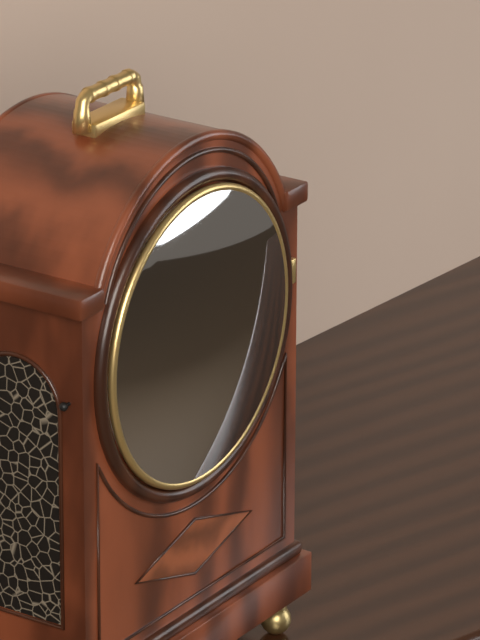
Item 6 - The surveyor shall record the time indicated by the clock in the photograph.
12:15
